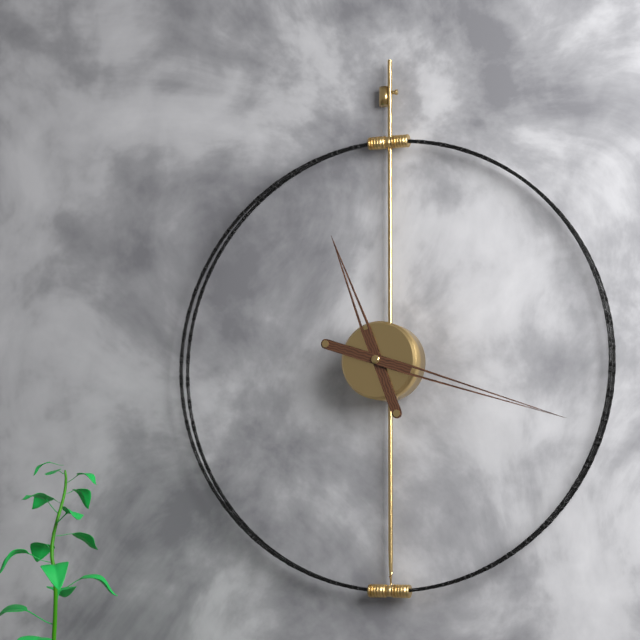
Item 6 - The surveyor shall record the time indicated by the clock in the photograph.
11:18
